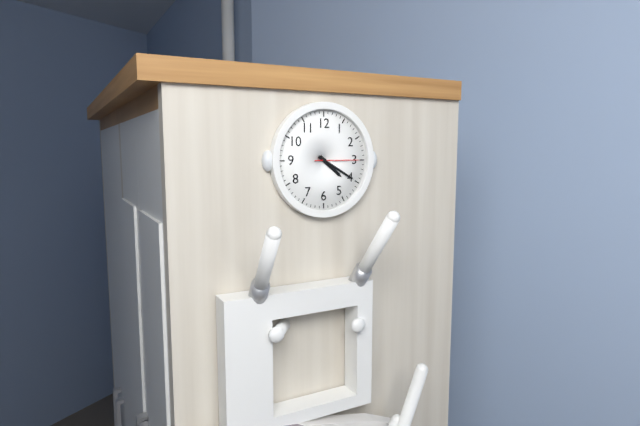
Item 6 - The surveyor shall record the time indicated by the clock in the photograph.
4:20
